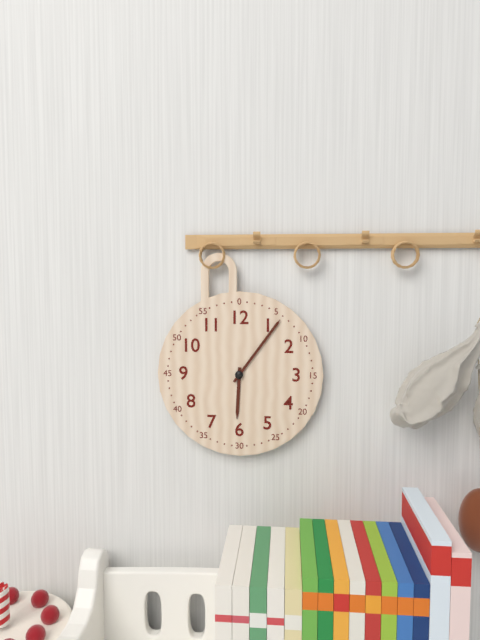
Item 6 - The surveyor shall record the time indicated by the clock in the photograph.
6:06
